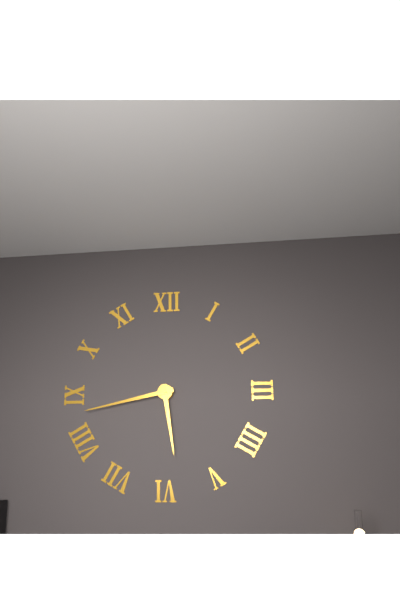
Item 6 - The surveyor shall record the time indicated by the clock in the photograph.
5:43
